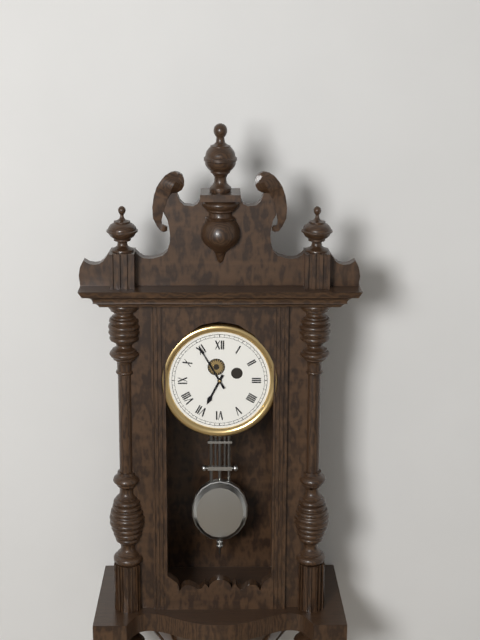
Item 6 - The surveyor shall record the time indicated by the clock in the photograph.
6:55
